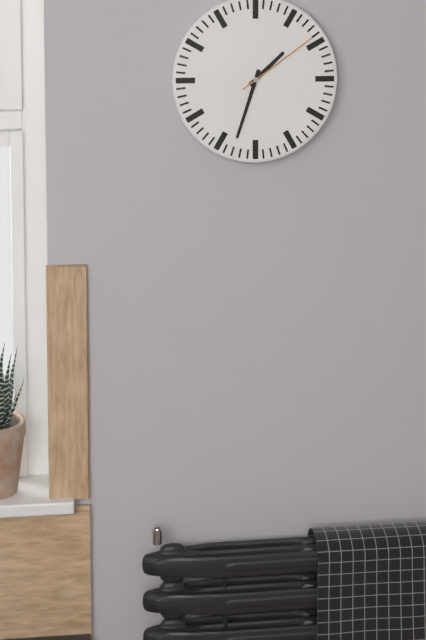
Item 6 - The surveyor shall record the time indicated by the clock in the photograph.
1:33:09
